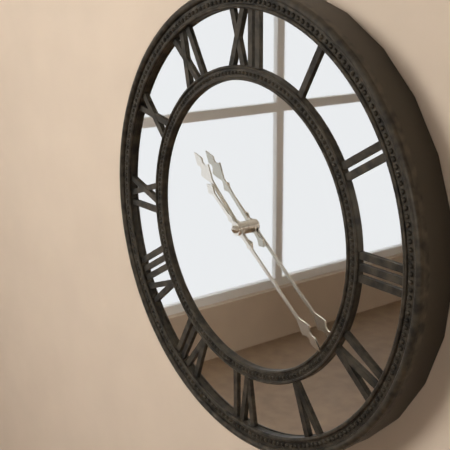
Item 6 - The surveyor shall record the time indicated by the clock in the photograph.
10:21
